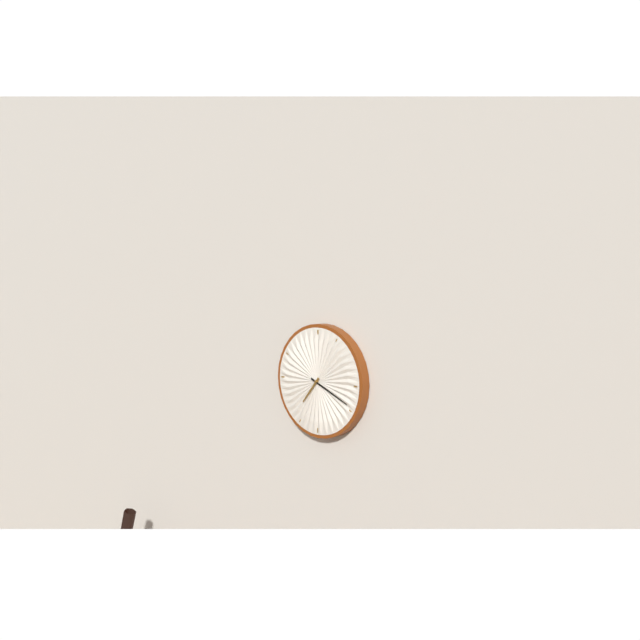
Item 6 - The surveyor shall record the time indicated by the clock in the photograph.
7:19
